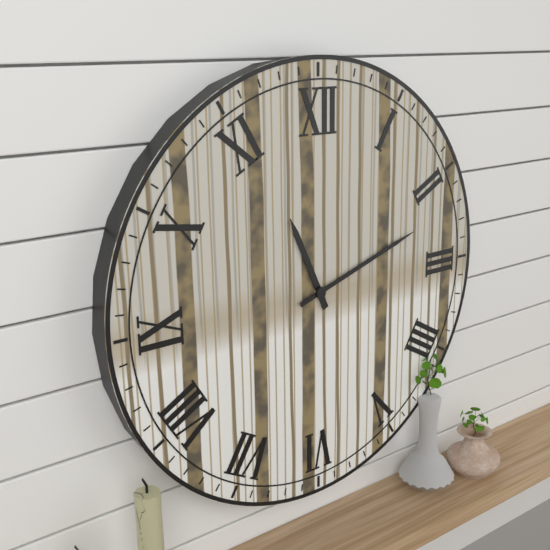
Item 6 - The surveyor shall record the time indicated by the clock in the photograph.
11:12
